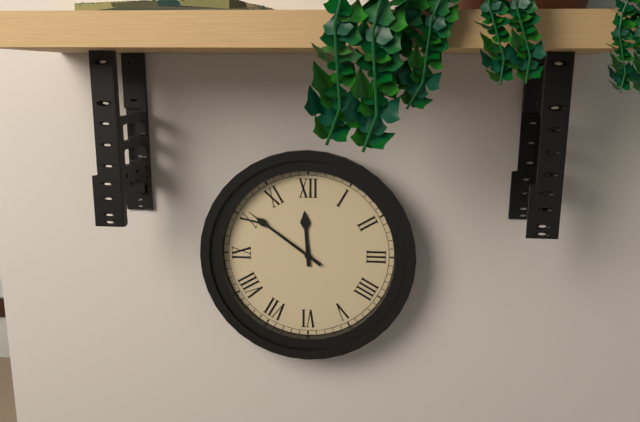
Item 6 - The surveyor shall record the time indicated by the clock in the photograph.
11:51
